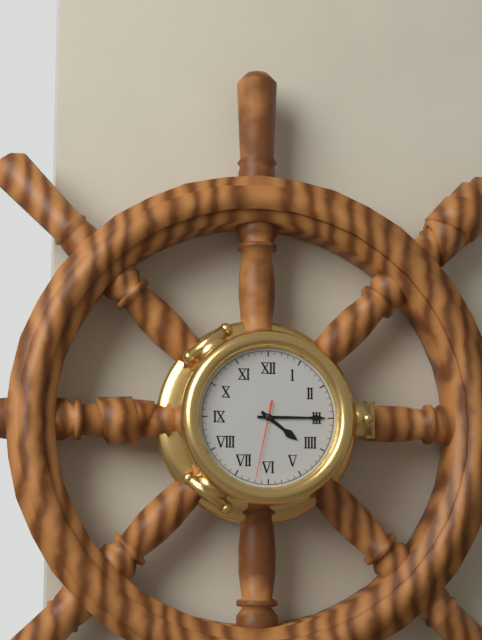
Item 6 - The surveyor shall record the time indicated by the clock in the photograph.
4:15:32
